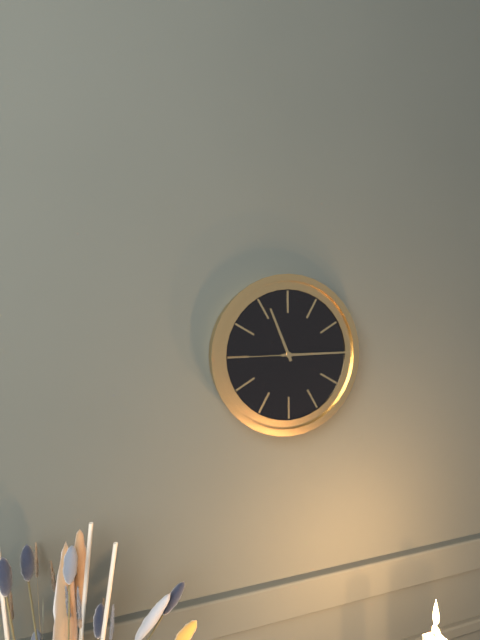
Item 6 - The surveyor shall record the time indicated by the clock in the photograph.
11:15:45
